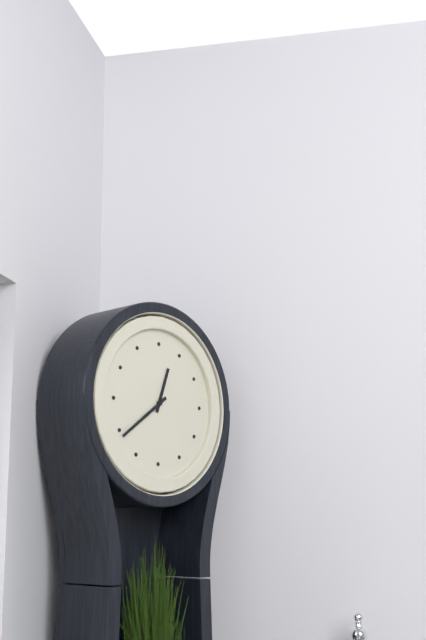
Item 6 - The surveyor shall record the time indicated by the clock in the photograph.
12:39
